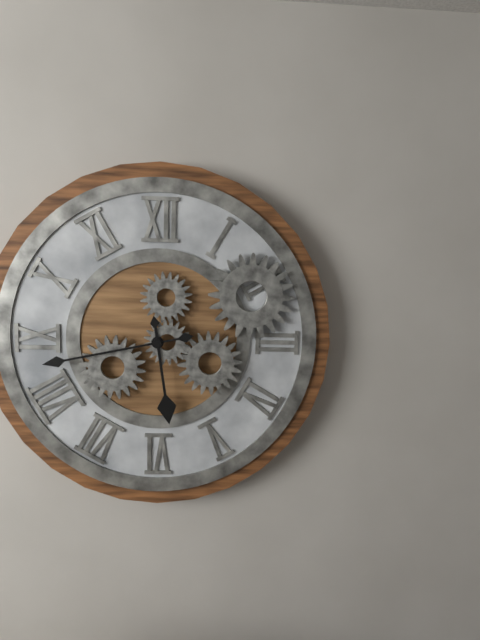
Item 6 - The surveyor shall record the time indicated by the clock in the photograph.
5:43
